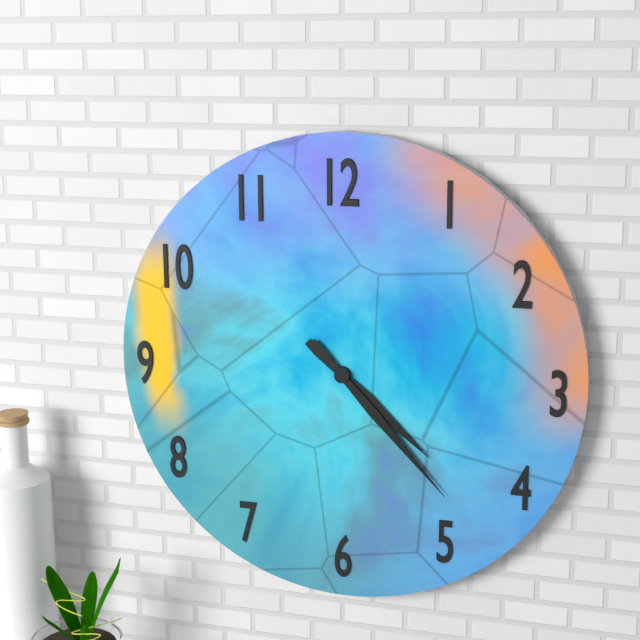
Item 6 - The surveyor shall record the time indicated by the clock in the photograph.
4:23
